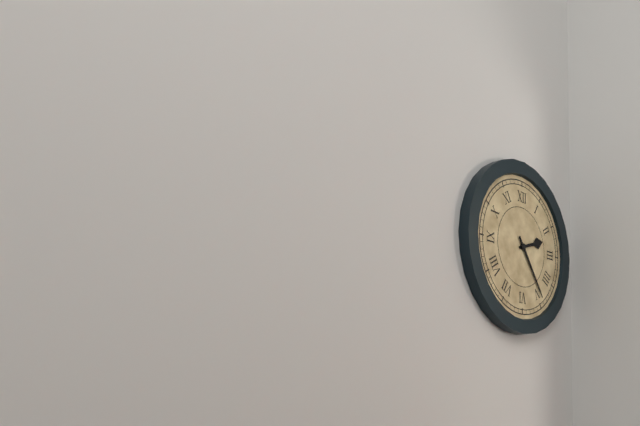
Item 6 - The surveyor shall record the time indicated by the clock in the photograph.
2:24
